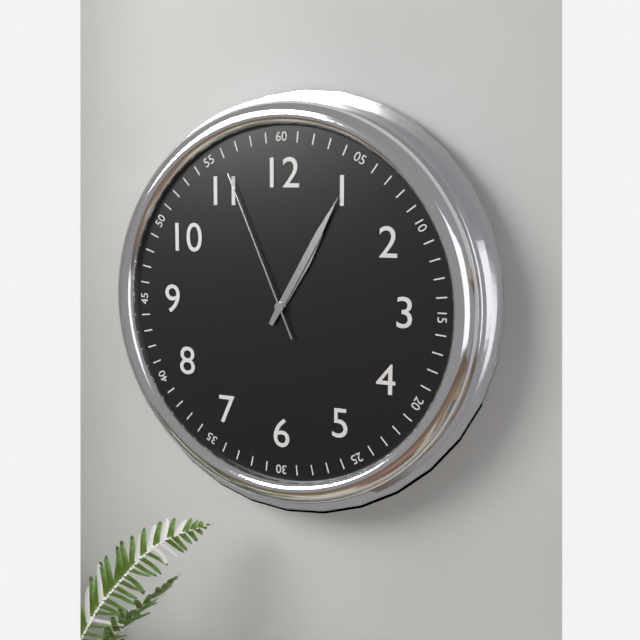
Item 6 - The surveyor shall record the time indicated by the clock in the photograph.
1:05:56
